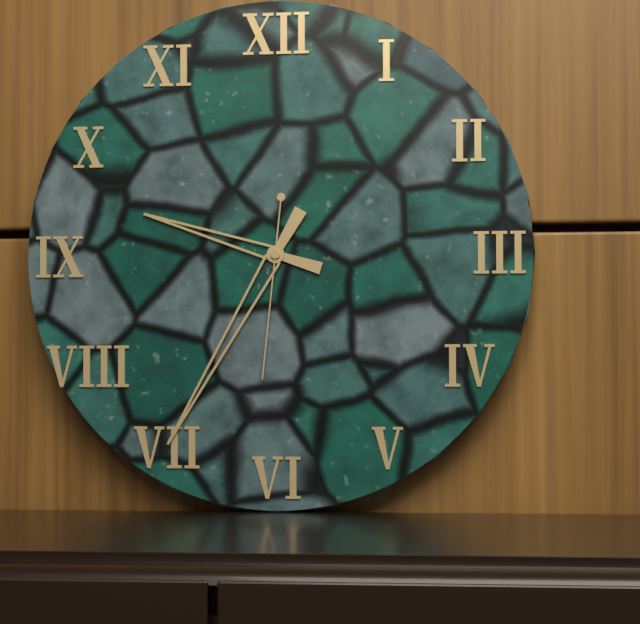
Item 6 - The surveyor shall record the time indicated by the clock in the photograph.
9:35:31
